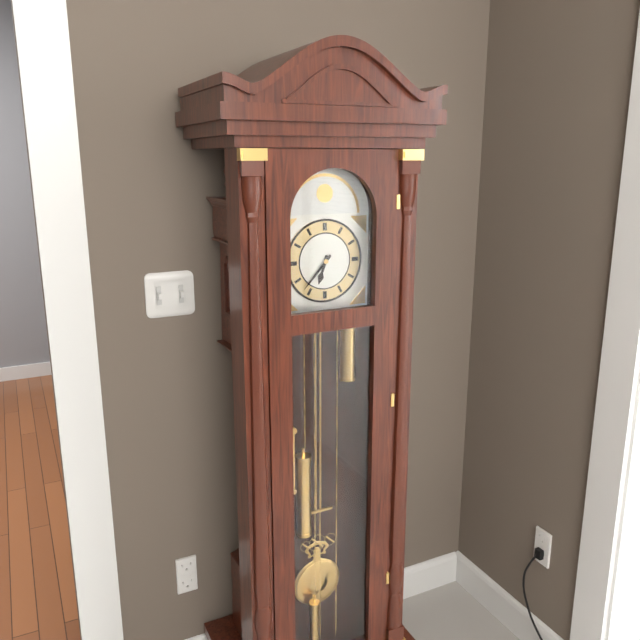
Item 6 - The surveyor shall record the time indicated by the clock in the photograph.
6:37
